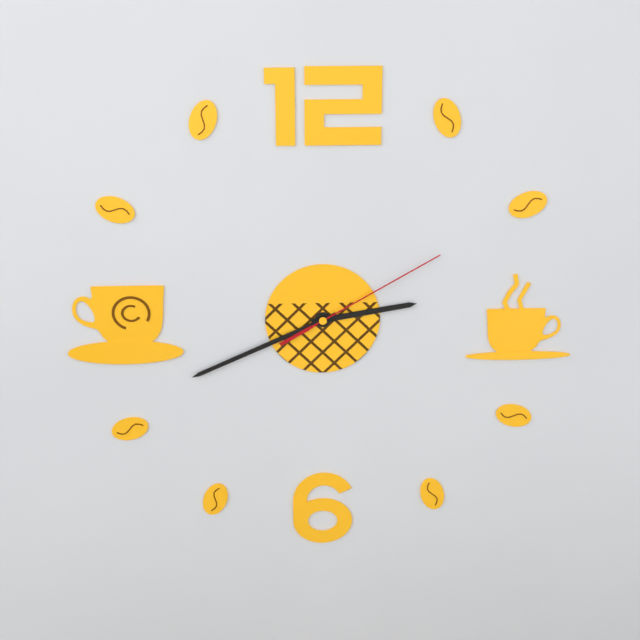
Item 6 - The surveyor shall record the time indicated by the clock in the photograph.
2:41:10
